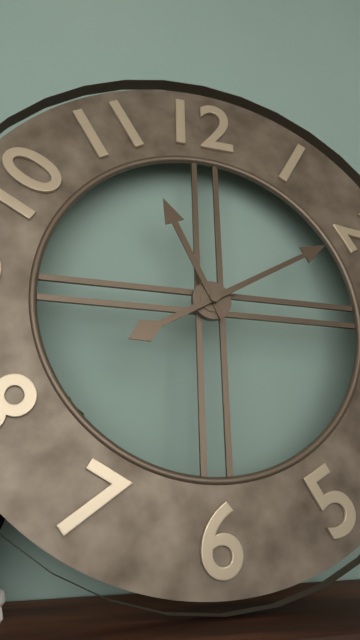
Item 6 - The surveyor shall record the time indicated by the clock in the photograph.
11:10
